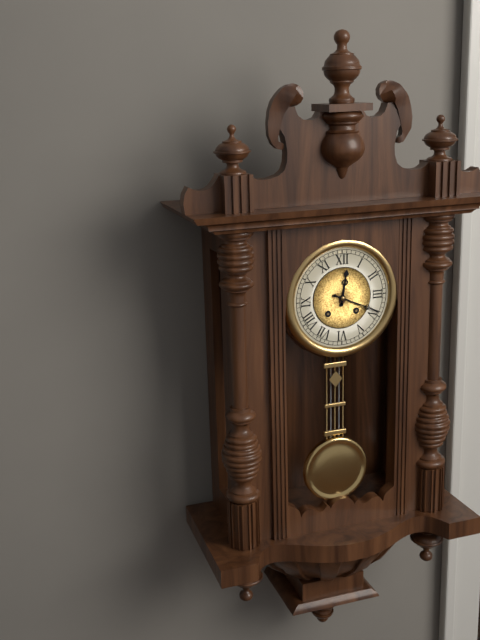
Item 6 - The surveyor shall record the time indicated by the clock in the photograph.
12:19
